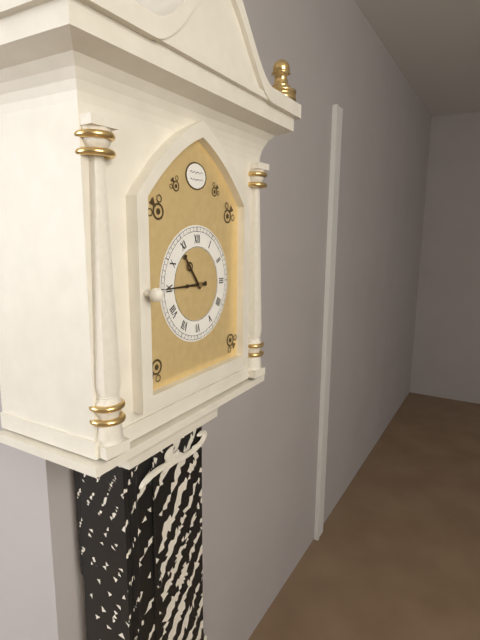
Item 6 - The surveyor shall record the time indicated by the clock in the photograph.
10:45
